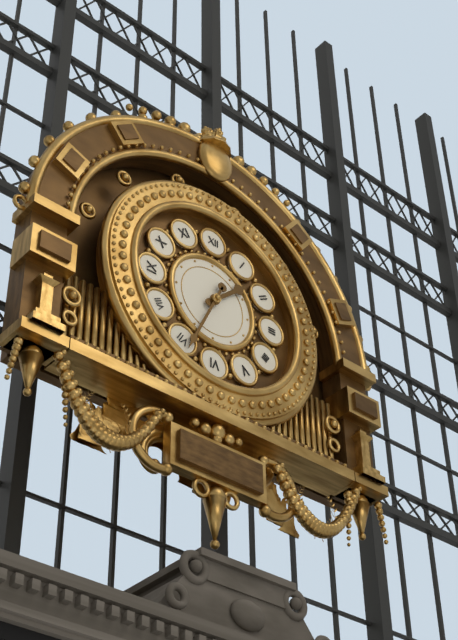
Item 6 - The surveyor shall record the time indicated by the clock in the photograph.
1:34
